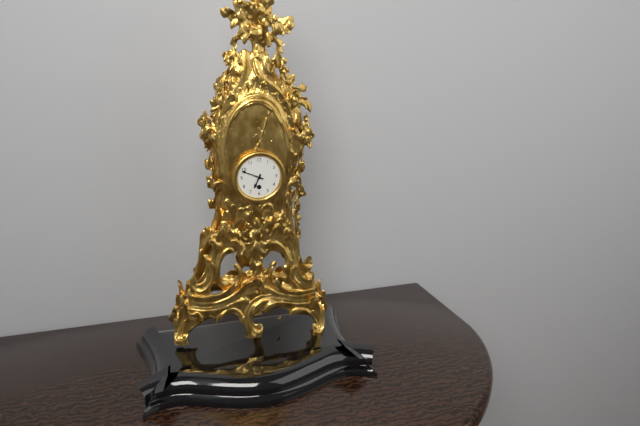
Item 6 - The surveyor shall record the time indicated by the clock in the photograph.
6:49
